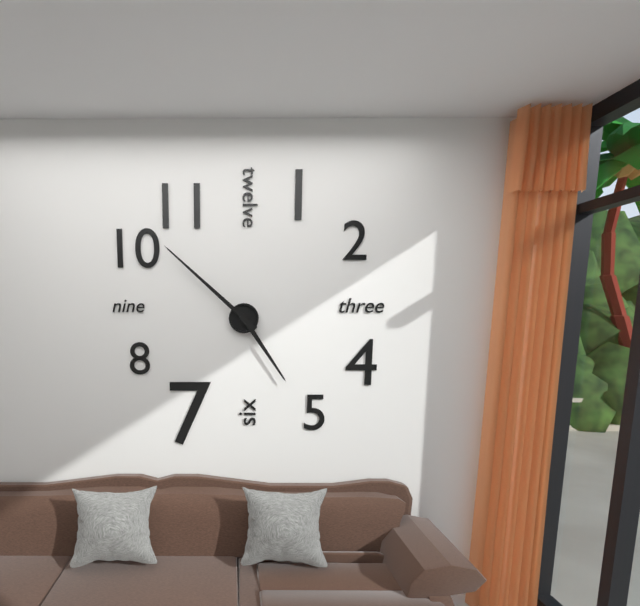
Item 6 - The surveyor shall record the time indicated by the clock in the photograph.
4:52
